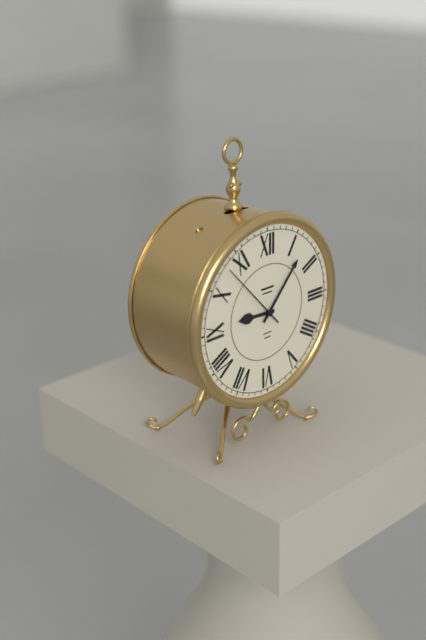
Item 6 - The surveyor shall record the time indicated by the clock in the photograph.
9:07:53
